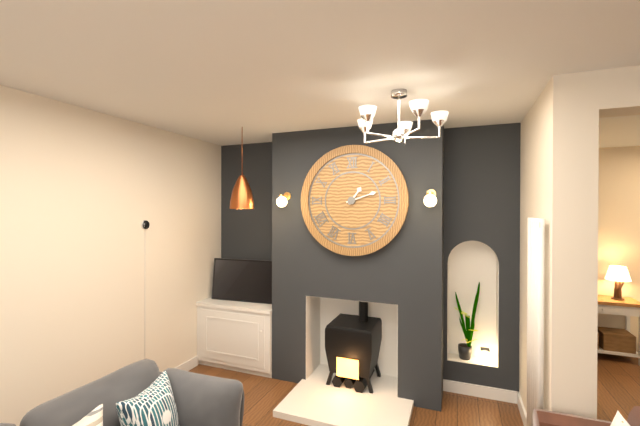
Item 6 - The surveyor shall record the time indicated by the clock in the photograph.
1:12
